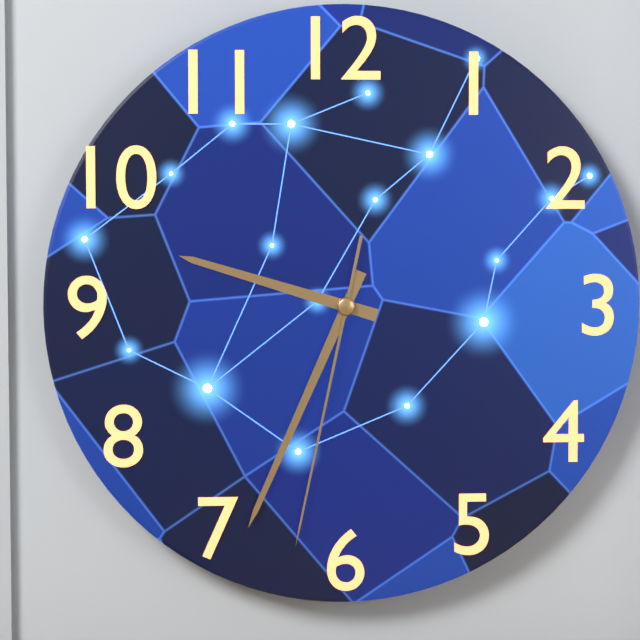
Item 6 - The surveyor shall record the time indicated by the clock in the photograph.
9:34:32
